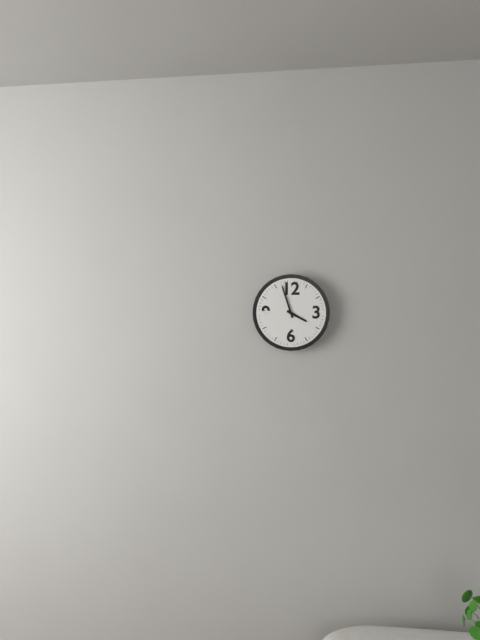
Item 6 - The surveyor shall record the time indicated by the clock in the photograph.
3:57
